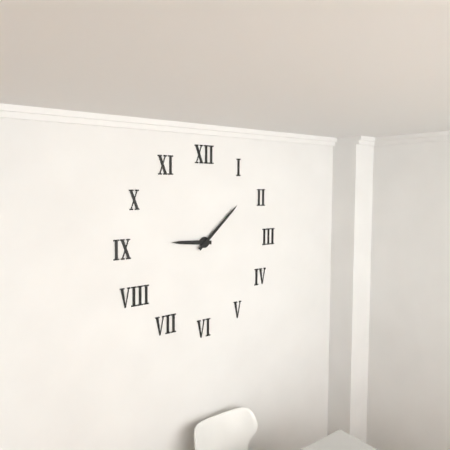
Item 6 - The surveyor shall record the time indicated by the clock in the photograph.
9:08
